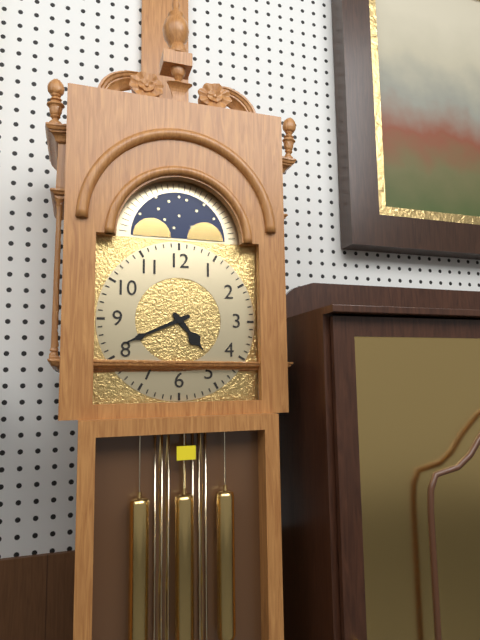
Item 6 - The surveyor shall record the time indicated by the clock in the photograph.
4:41
